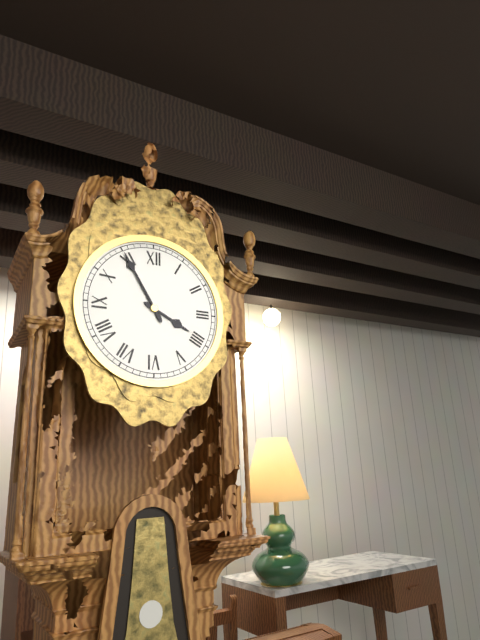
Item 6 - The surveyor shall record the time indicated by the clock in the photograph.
3:55
